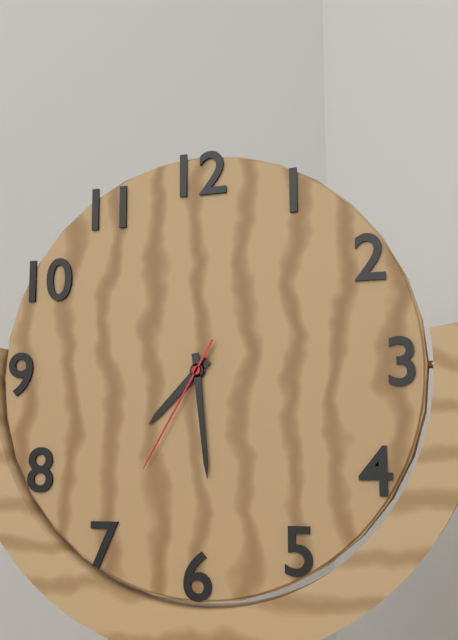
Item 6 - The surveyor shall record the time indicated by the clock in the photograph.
7:29:35
